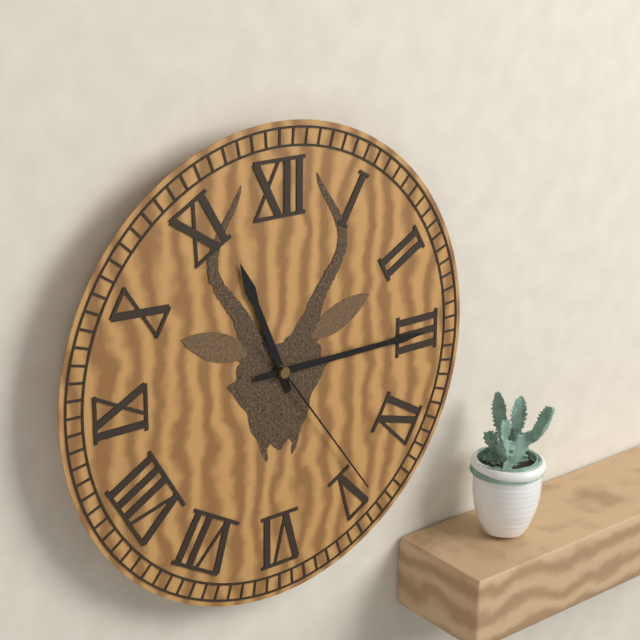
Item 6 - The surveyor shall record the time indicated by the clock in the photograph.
11:15:24
